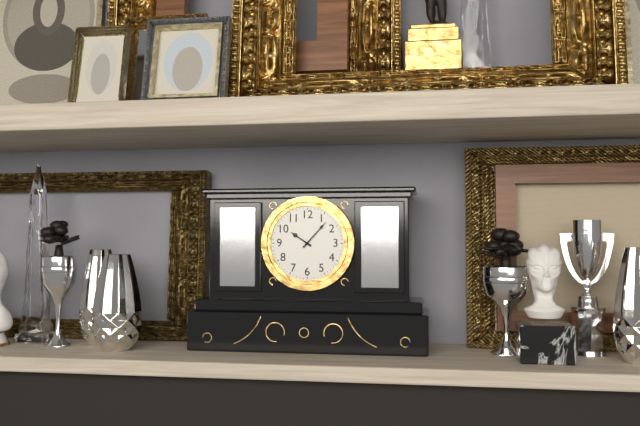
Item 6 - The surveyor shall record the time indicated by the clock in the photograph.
10:07
